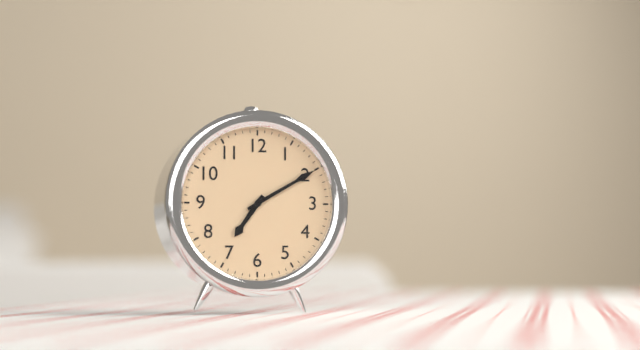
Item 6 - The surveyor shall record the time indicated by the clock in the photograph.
7:10
